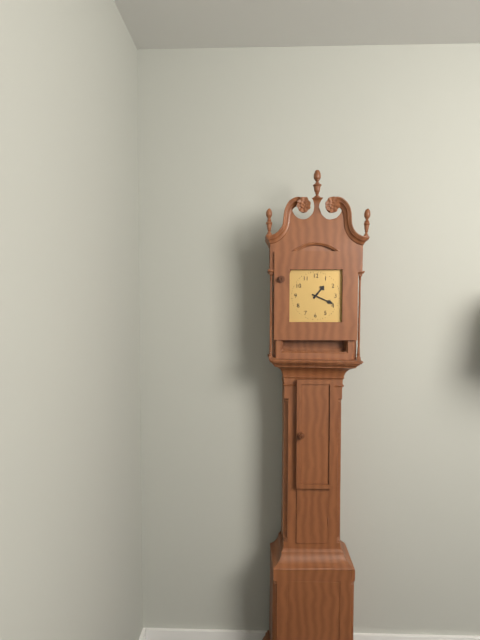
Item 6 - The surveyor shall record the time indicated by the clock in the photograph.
1:19
